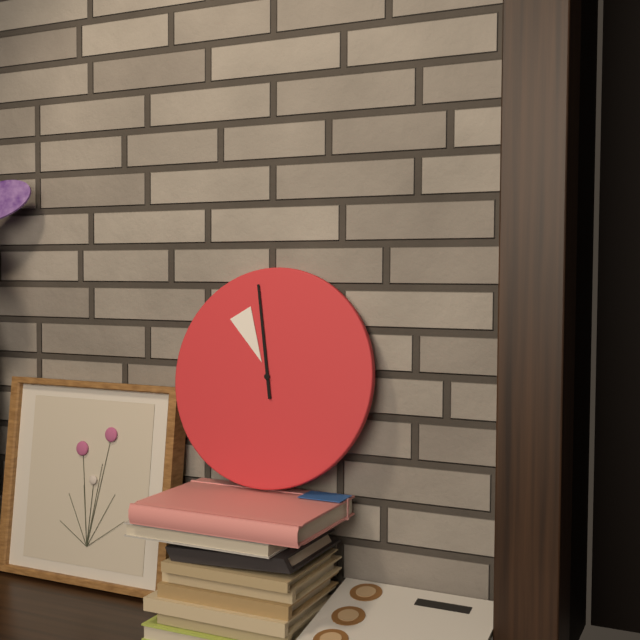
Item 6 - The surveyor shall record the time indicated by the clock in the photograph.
10:58
